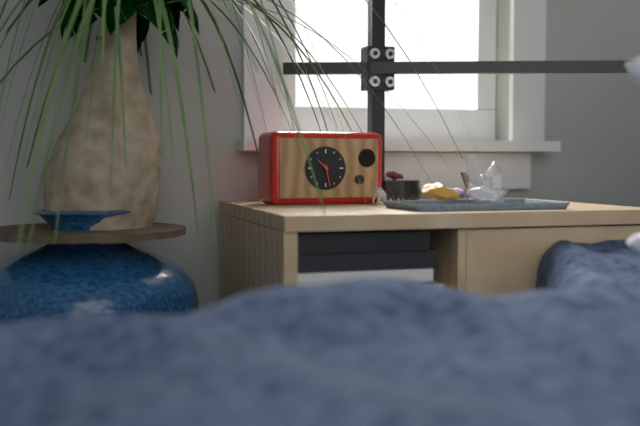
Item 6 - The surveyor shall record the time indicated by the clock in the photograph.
10:28
